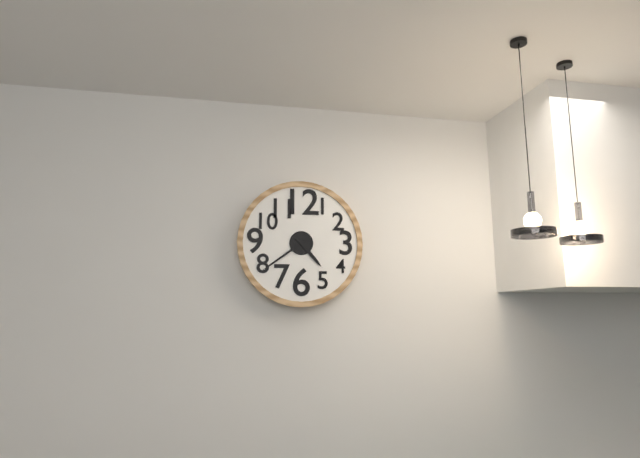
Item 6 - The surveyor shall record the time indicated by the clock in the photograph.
4:39
